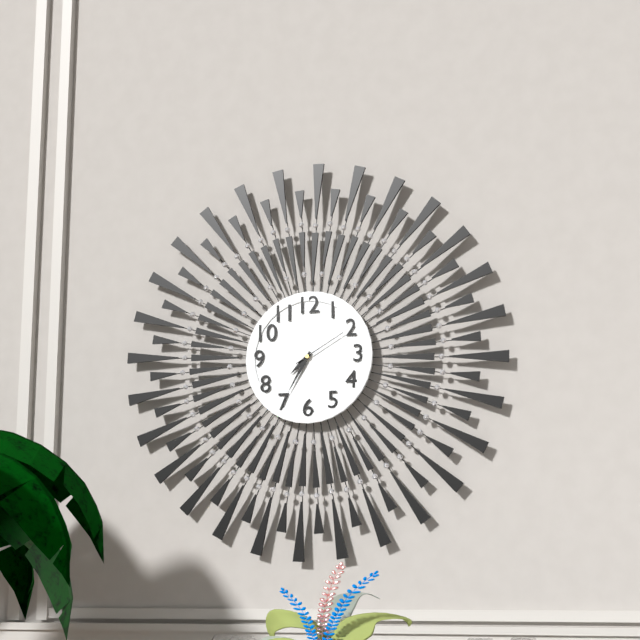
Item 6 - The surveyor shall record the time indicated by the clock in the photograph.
7:35:10
